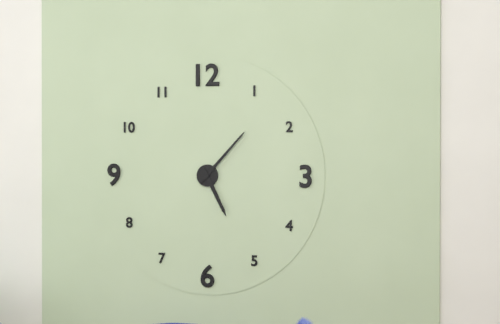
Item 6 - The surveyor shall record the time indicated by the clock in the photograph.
5:07
